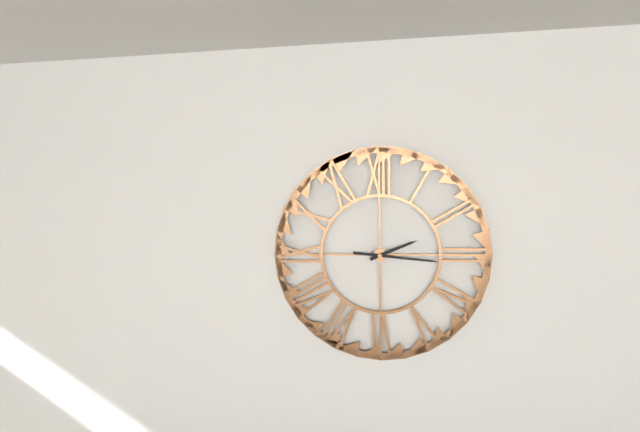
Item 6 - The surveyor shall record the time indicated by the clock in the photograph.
2:16
